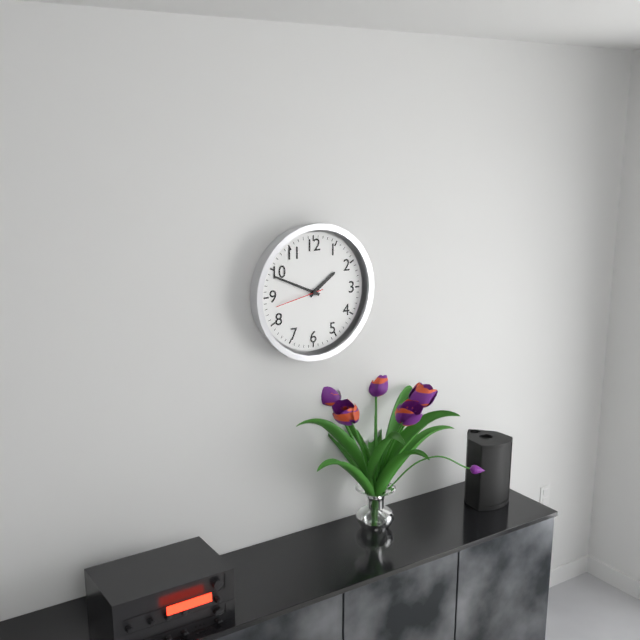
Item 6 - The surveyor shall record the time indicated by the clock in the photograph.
1:49:43
